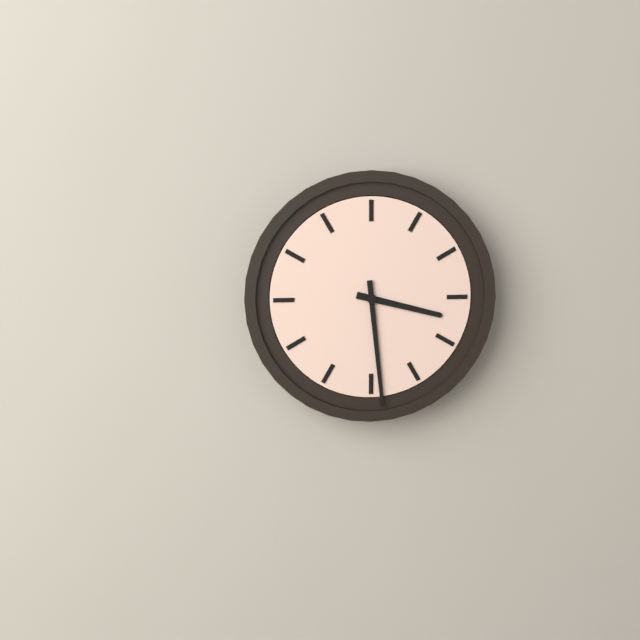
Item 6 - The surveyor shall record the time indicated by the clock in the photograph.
3:29
